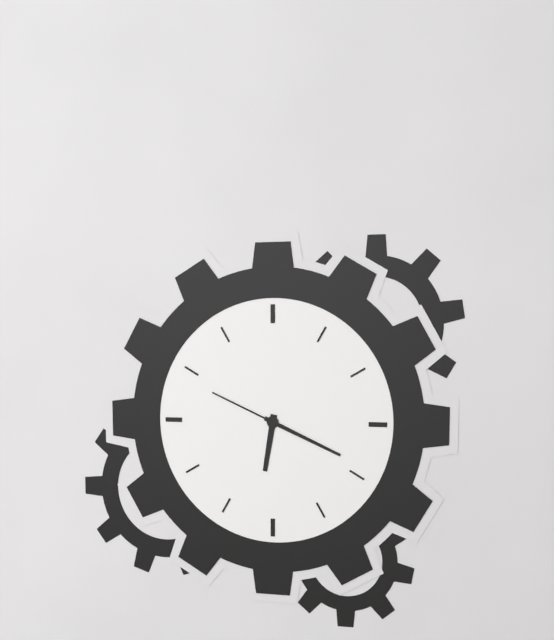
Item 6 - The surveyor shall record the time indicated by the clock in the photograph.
6:19:49
